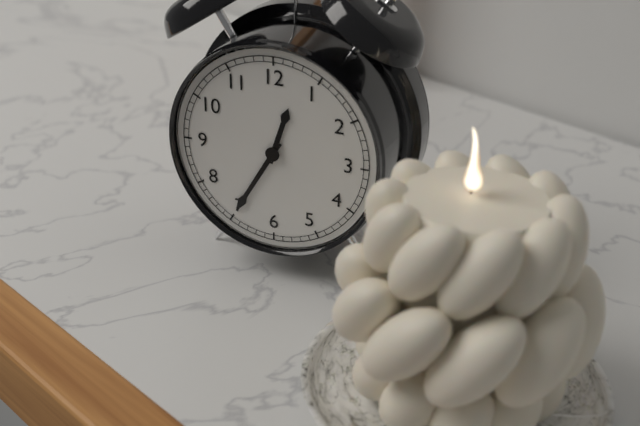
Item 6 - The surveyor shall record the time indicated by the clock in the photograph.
12:35
